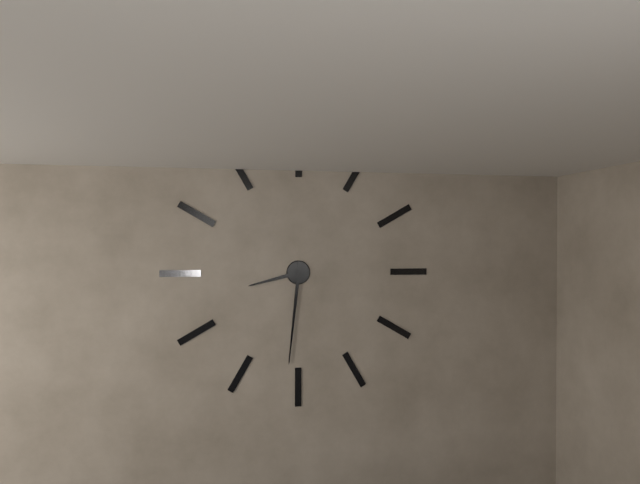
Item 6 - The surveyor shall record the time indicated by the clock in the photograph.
8:31
